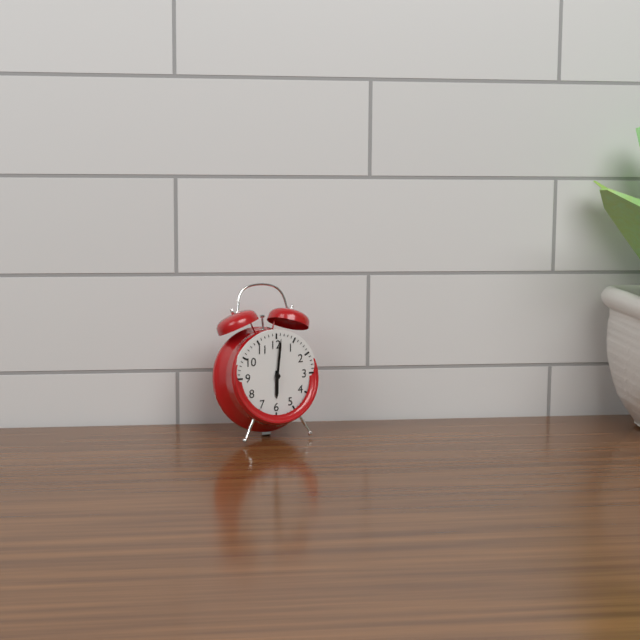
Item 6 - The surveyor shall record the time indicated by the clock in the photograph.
6:01
